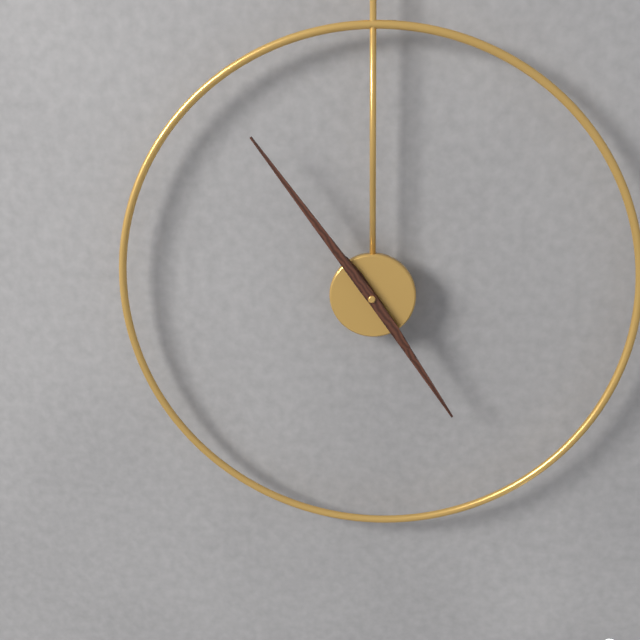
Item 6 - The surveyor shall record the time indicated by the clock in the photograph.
4:54
